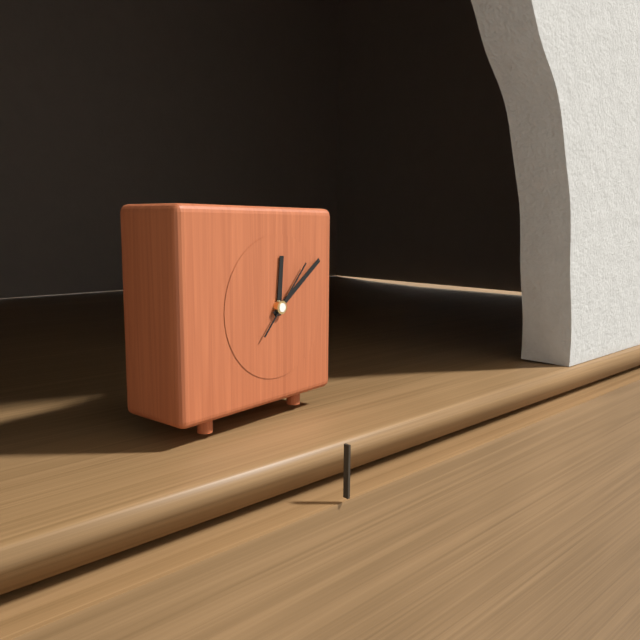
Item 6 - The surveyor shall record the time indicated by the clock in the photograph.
12:09:07
